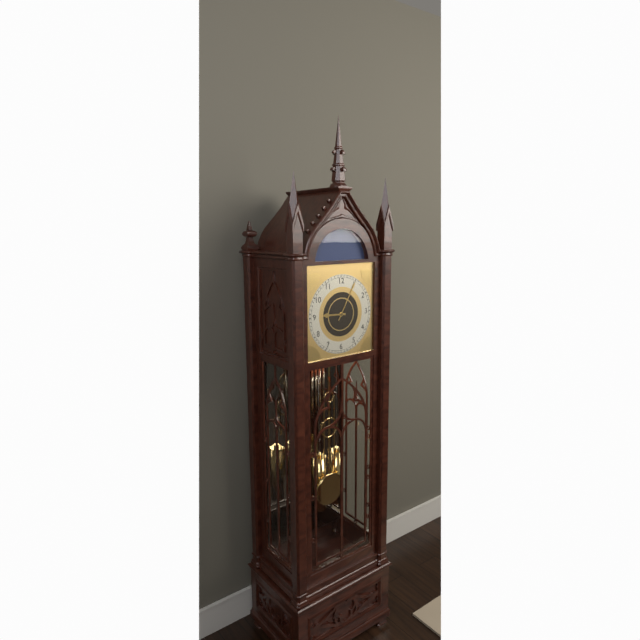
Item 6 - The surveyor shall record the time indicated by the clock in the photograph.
9:05
